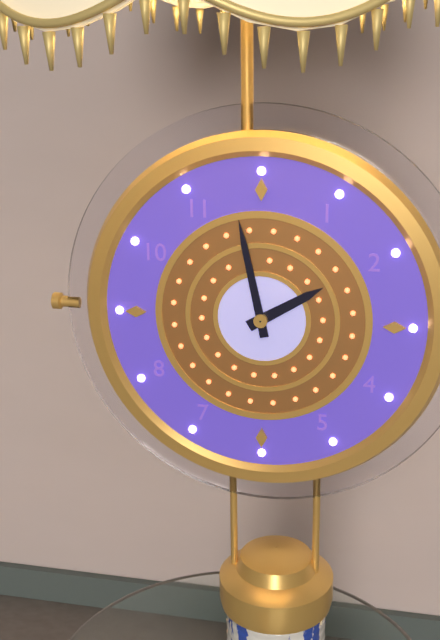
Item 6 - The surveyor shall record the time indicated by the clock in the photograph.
1:58
